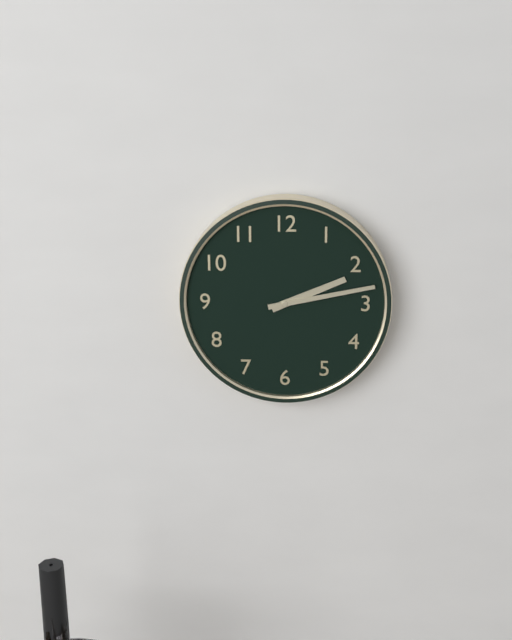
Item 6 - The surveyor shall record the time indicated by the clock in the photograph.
2:13
